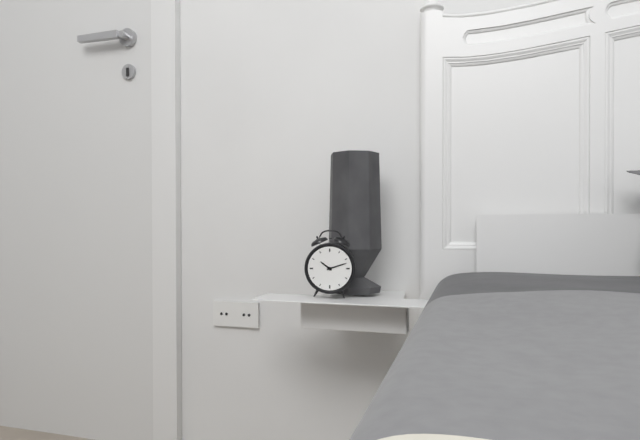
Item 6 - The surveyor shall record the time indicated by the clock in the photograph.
10:12
